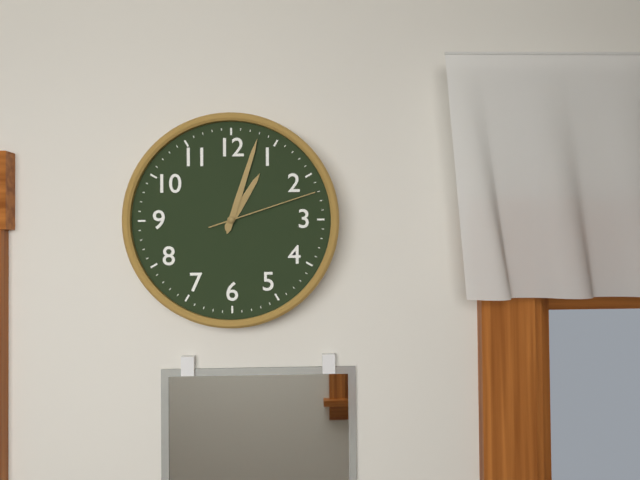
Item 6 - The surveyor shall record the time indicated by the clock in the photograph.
1:03:12
